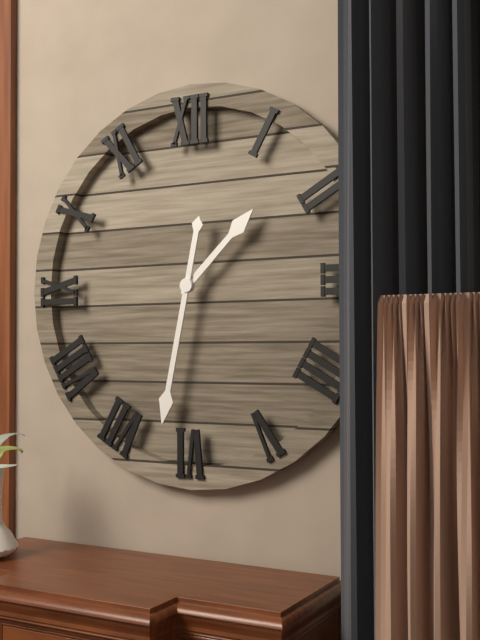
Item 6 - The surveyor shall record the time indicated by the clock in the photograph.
1:32
